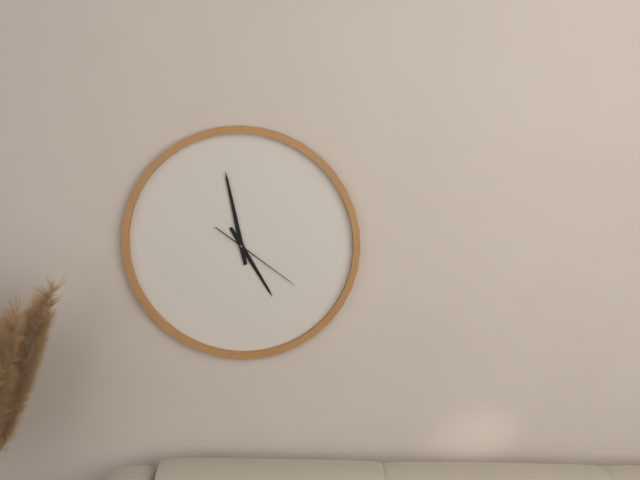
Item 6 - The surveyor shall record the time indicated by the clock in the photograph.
4:58:21
